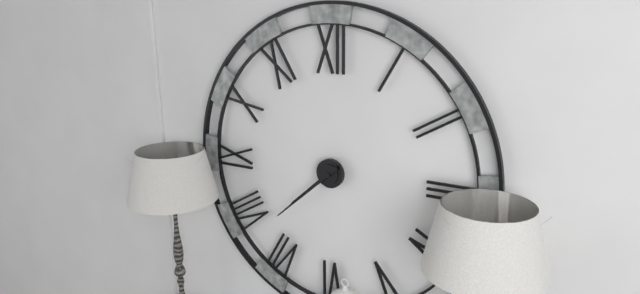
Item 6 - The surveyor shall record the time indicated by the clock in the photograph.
7:38
